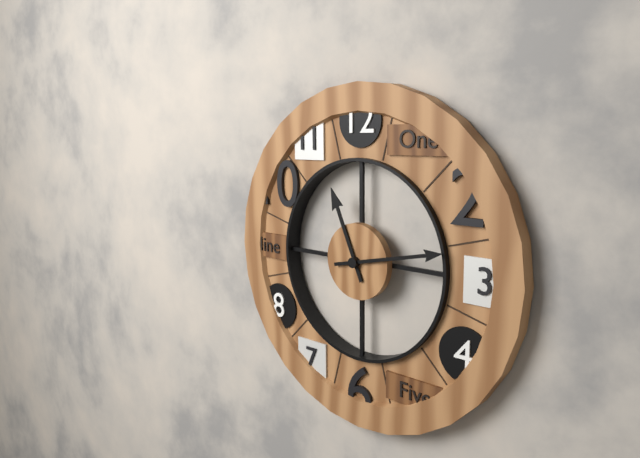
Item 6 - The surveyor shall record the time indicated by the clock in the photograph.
11:13
